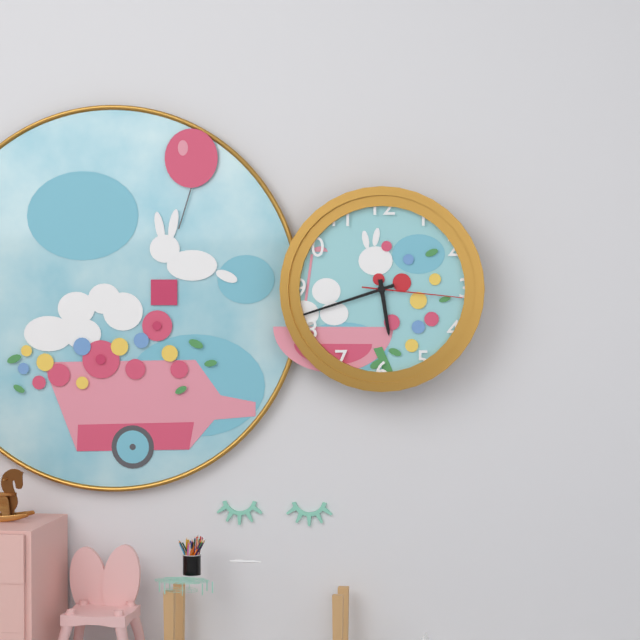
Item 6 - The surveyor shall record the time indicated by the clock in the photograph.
5:42:16
